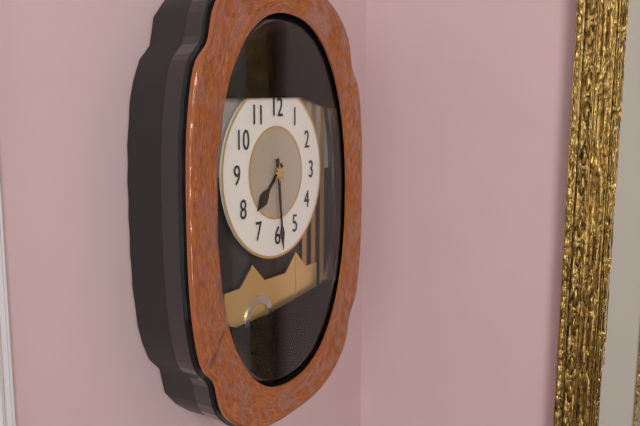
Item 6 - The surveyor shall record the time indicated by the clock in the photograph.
7:29
